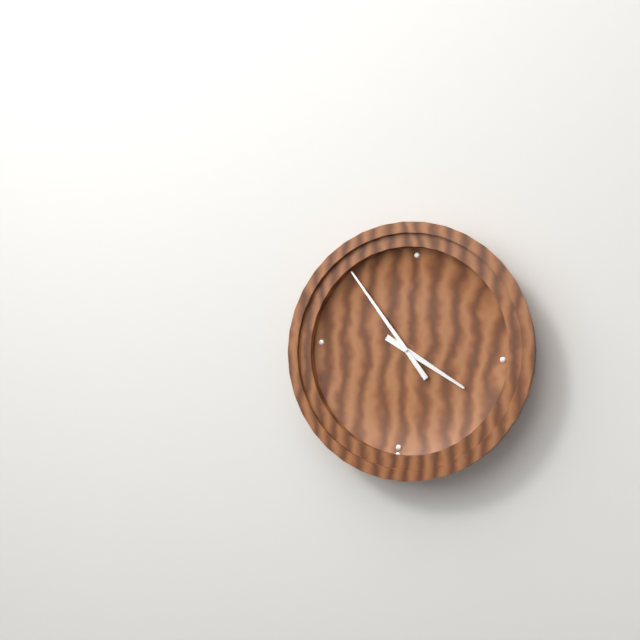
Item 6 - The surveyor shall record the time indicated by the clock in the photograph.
3:53
